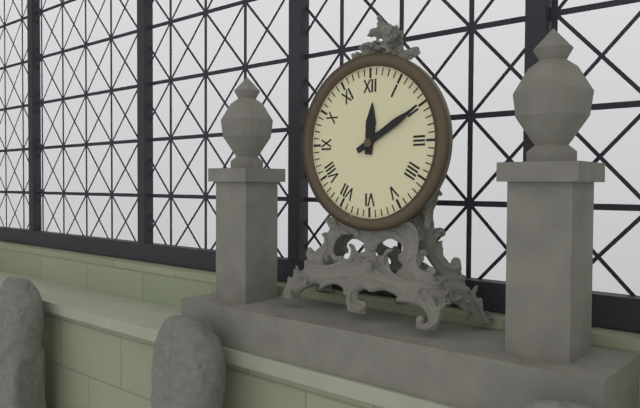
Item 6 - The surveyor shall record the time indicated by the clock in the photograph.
12:10
